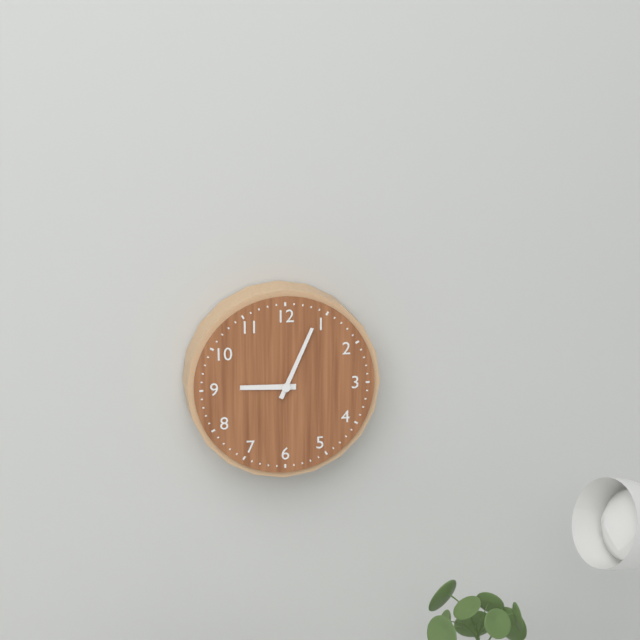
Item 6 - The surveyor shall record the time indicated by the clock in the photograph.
9:04
